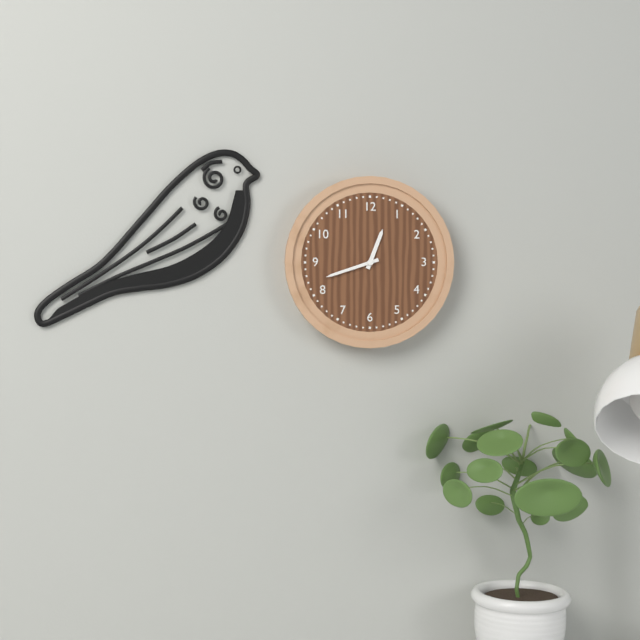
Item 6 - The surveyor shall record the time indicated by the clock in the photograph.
12:42
